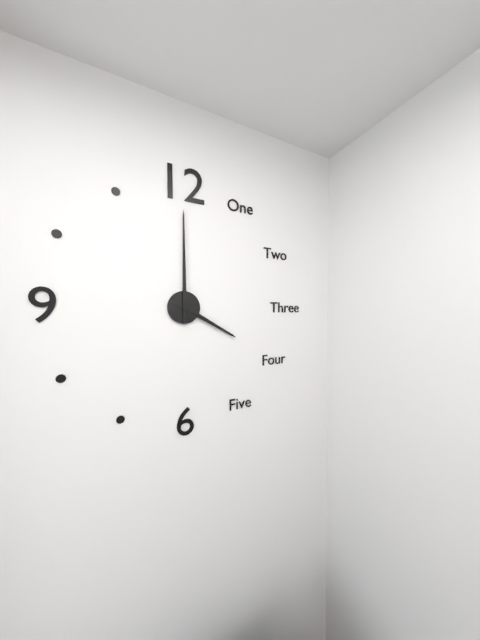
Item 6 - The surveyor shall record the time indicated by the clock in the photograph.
4:00
